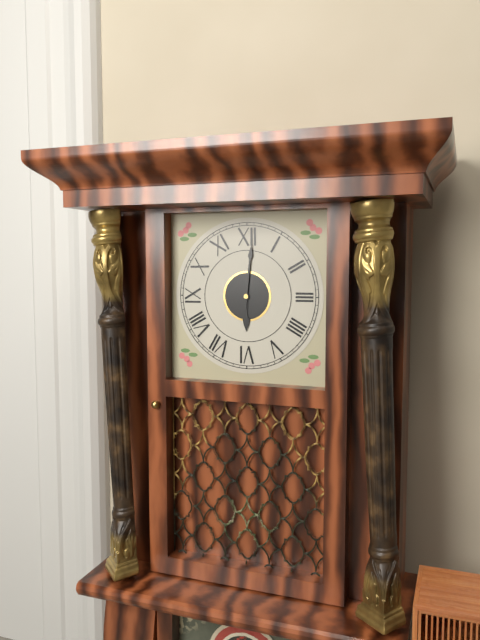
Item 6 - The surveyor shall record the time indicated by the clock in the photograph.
6:01
